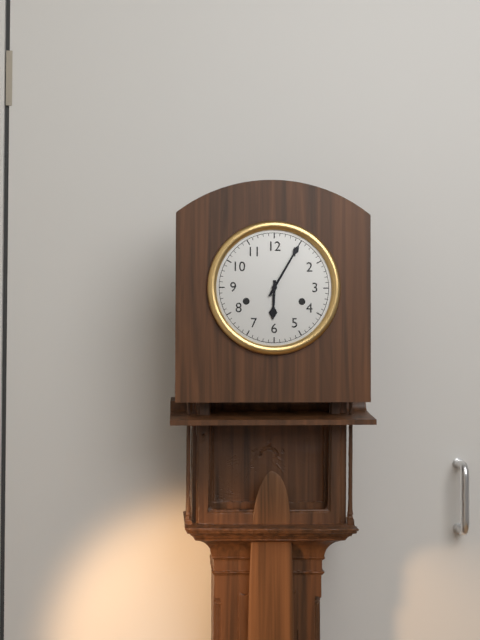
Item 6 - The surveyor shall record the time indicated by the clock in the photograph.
6:05
